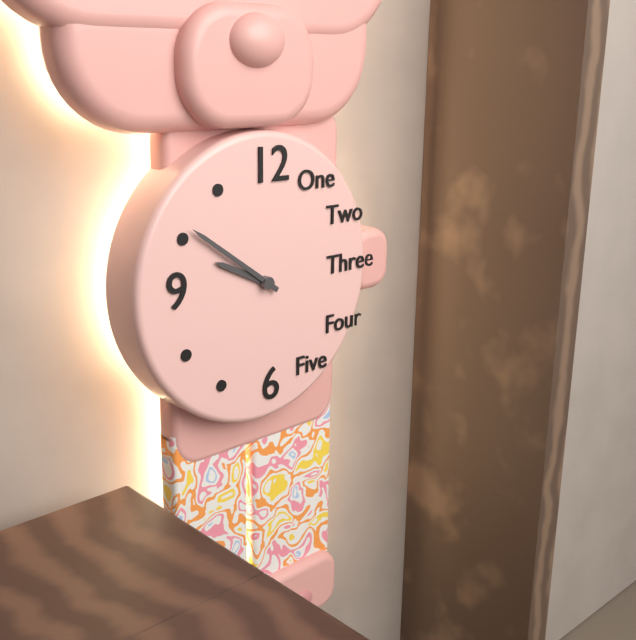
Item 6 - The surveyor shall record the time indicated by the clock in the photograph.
9:51
